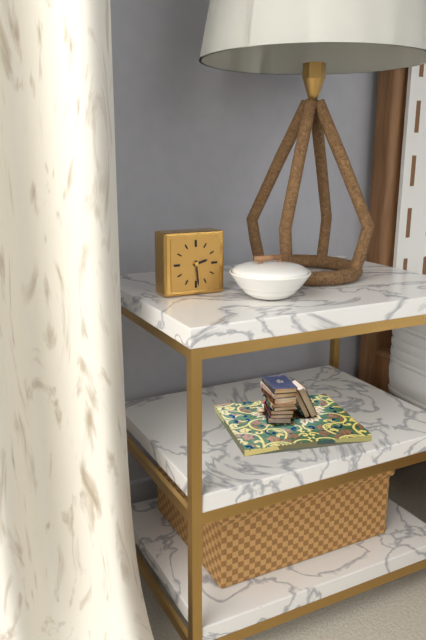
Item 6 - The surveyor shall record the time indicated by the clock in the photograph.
2:29
